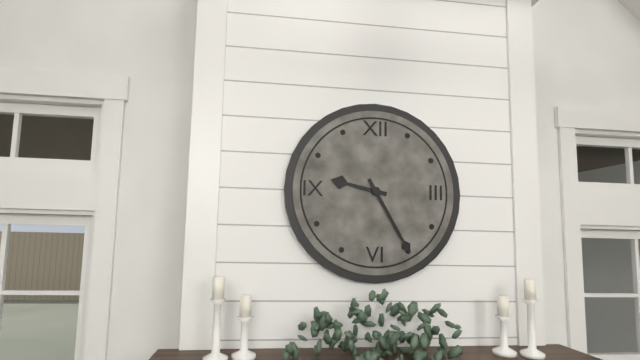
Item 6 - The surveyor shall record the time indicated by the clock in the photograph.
9:25
